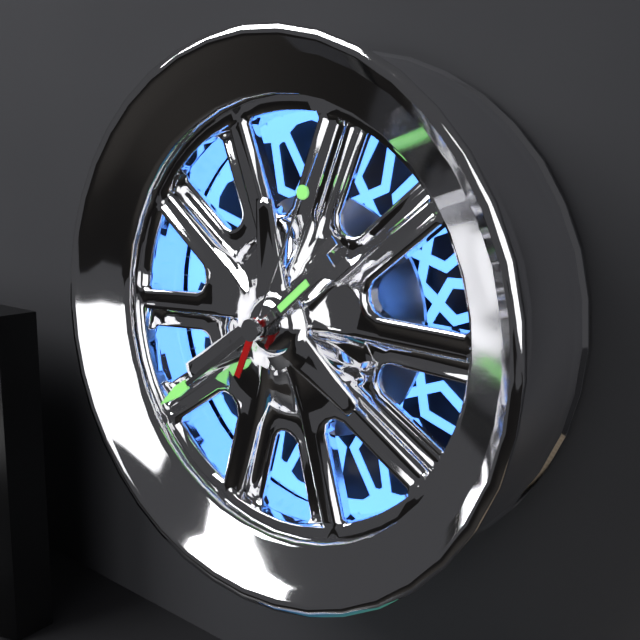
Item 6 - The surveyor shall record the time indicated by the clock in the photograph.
1:39:04
